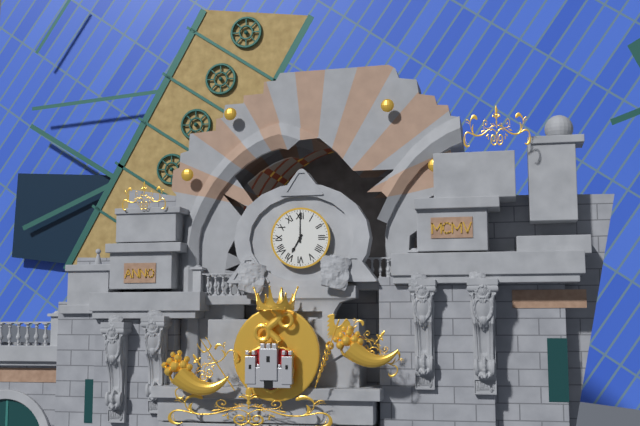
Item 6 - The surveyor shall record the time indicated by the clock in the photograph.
7:00
